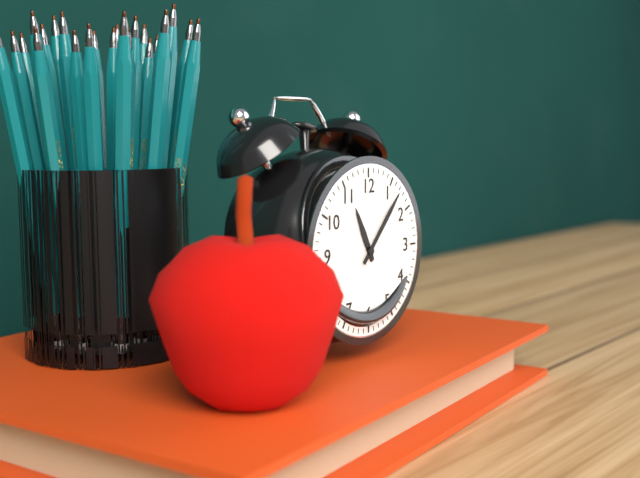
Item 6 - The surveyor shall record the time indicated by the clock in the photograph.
11:07
